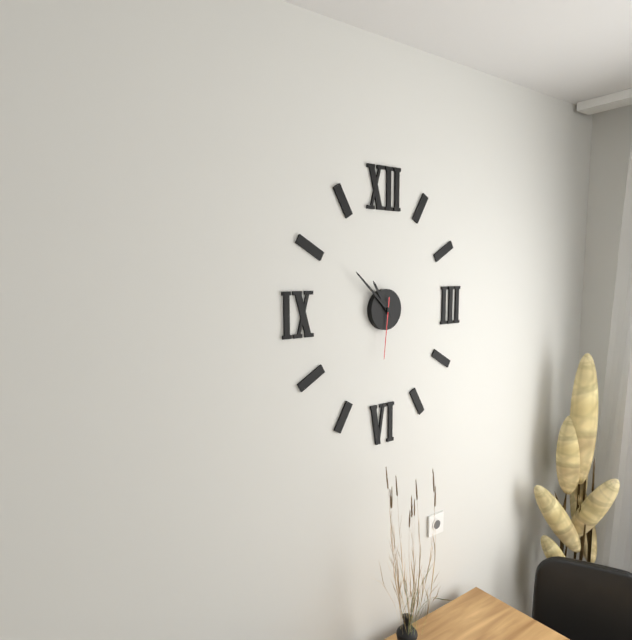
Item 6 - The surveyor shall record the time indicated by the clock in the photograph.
10:52:31
